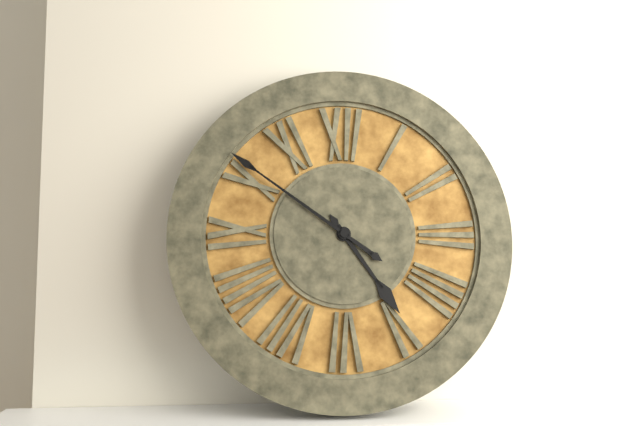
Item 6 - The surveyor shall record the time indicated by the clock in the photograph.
4:51
